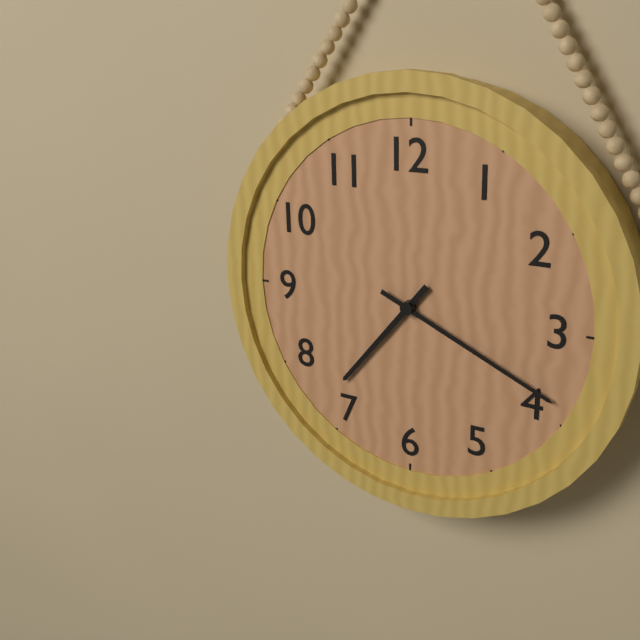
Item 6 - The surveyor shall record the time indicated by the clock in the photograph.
7:19
